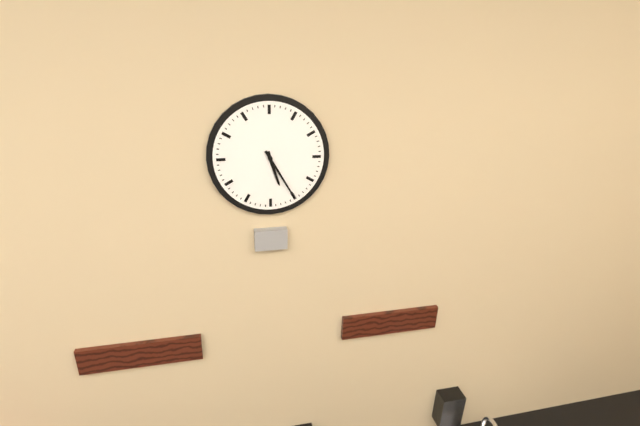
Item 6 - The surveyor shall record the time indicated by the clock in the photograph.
5:25
